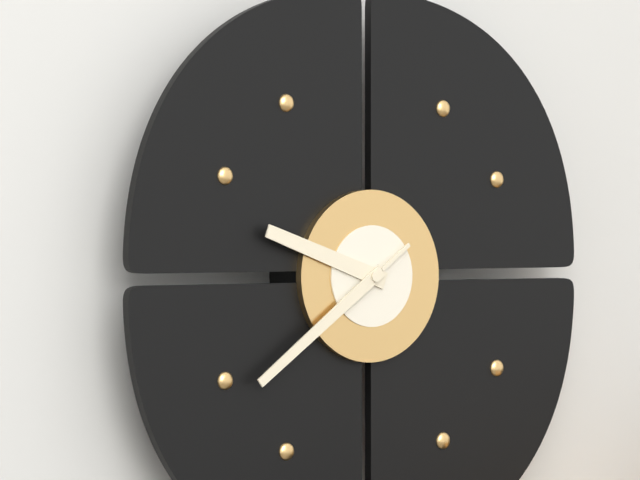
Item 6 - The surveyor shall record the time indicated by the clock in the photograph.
9:39
